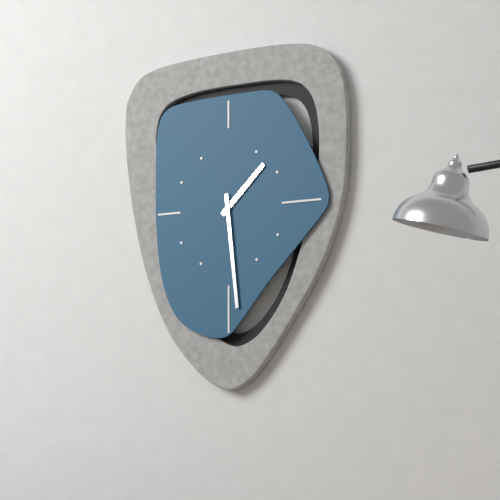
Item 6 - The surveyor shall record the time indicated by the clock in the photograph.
1:29
